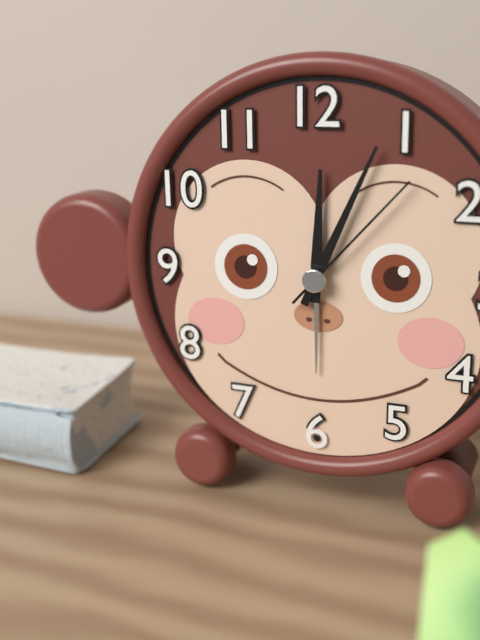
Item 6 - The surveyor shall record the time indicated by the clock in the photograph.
12:04:07
